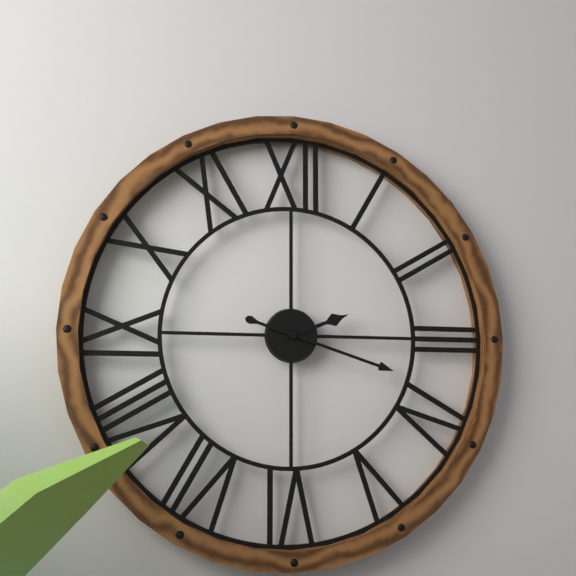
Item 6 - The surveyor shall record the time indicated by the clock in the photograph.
2:18
